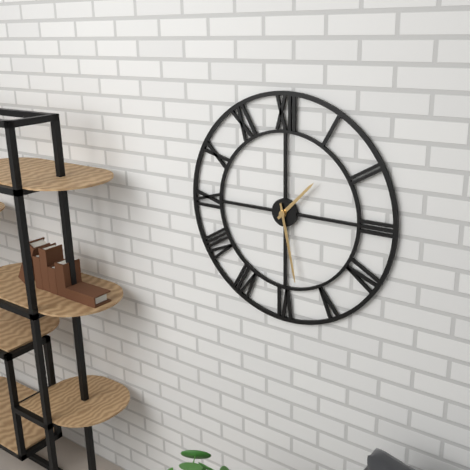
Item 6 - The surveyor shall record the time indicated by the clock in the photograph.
1:28
